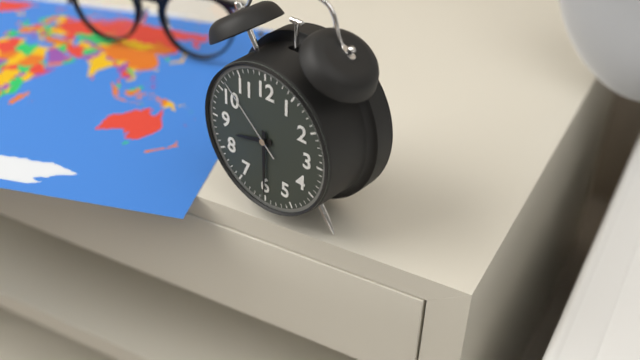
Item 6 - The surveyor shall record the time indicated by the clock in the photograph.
8:30:52
